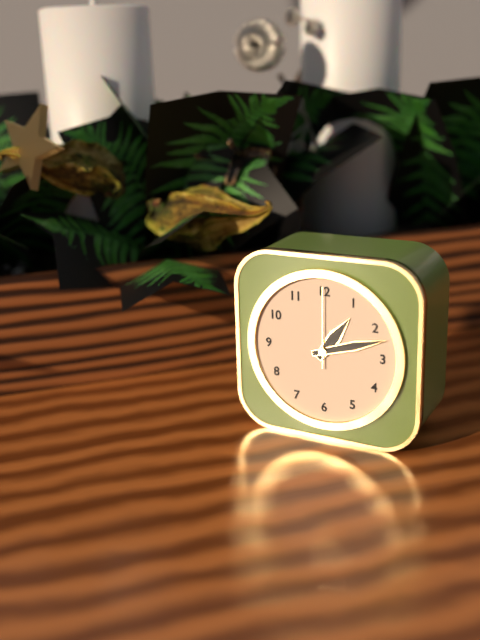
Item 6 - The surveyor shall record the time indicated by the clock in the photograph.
1:12:00
